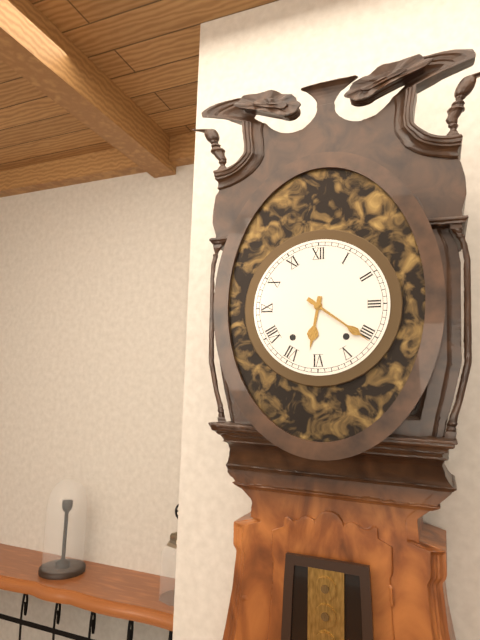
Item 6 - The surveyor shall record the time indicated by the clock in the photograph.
6:21
